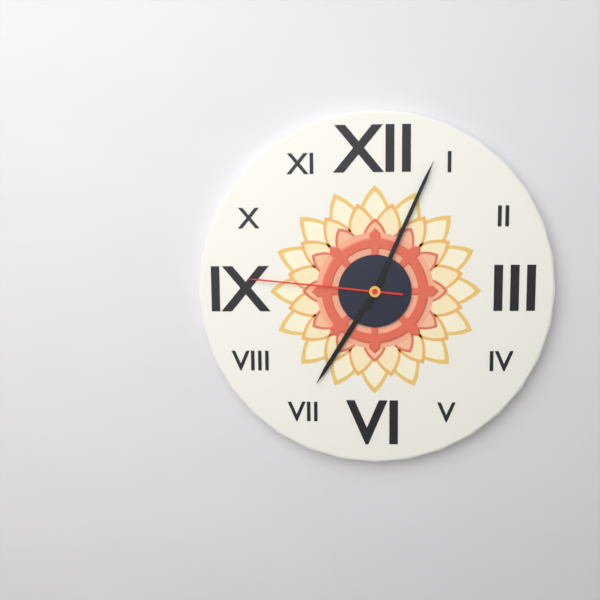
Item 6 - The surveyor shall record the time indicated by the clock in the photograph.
7:04:46
